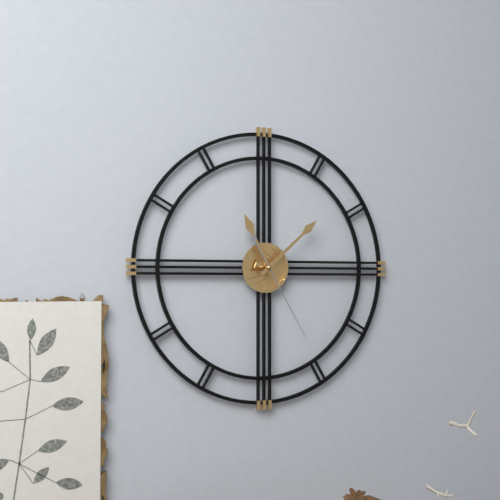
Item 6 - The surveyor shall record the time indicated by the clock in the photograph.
11:08:25
